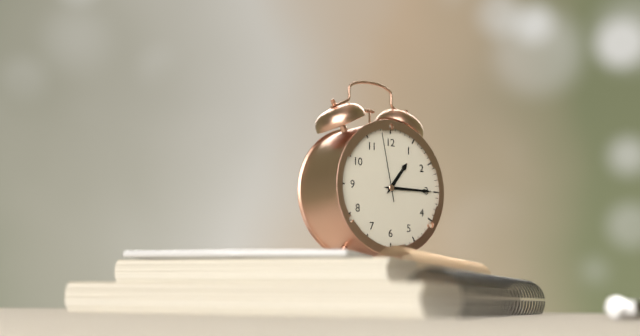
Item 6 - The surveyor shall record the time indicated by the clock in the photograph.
1:15:58
